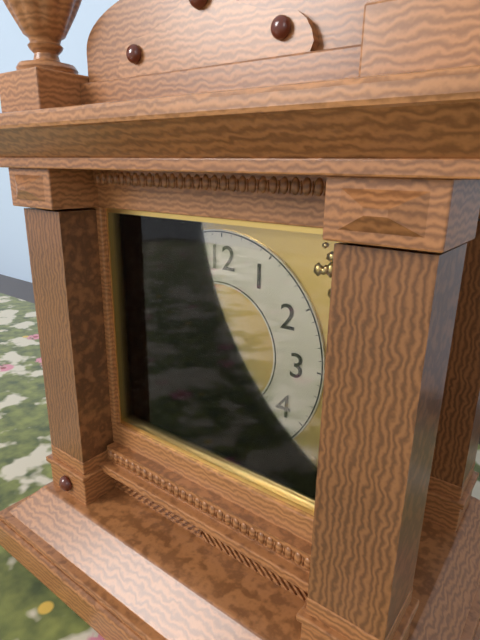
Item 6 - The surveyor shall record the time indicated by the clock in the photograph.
10:46
